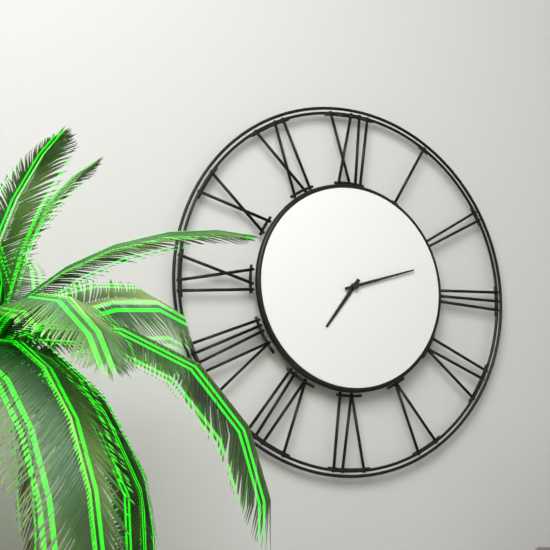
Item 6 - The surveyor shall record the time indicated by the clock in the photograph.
7:12
